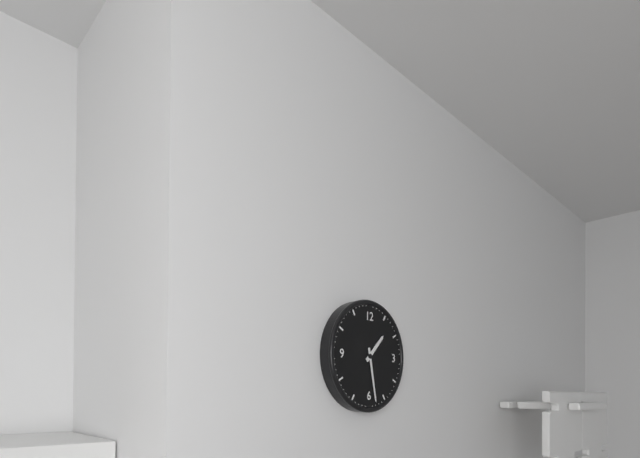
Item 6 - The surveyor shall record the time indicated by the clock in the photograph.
1:28
